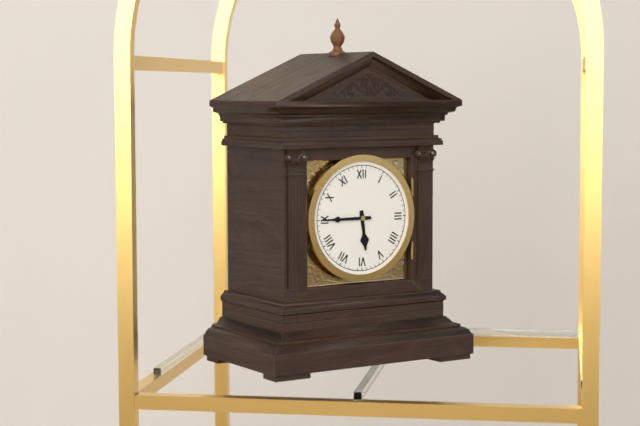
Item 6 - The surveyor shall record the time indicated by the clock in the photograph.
5:45
